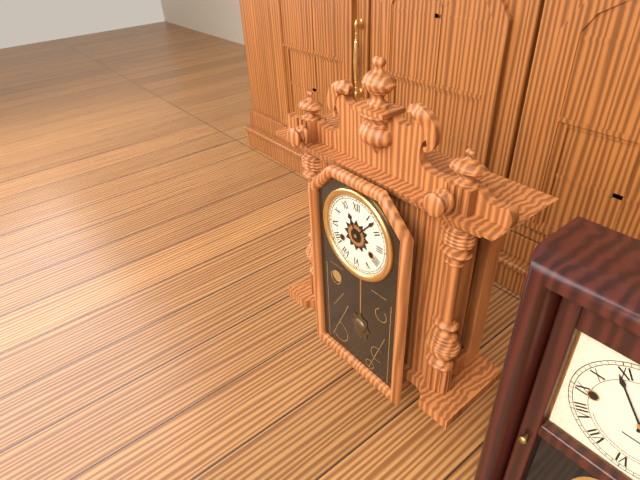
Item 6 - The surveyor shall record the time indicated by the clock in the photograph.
11:07
